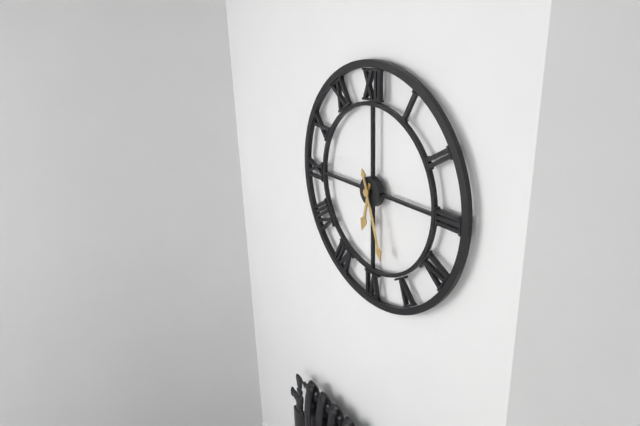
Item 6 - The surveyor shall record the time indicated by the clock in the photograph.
6:27
